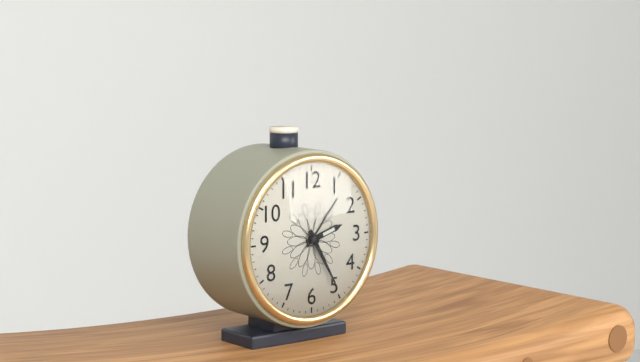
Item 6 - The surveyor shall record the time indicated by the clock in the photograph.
2:25
